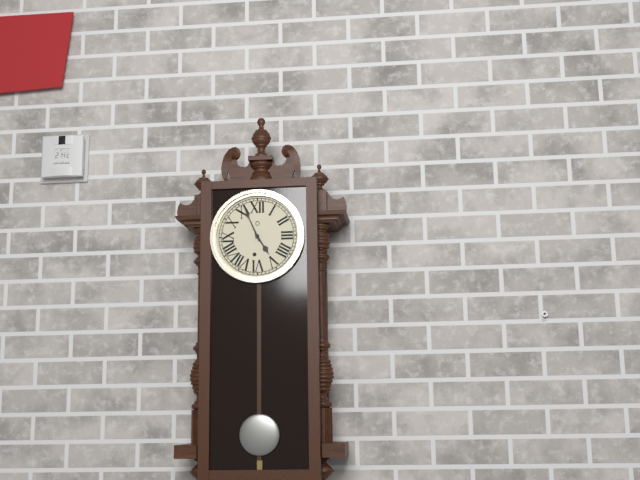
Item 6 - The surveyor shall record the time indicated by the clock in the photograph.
4:56
